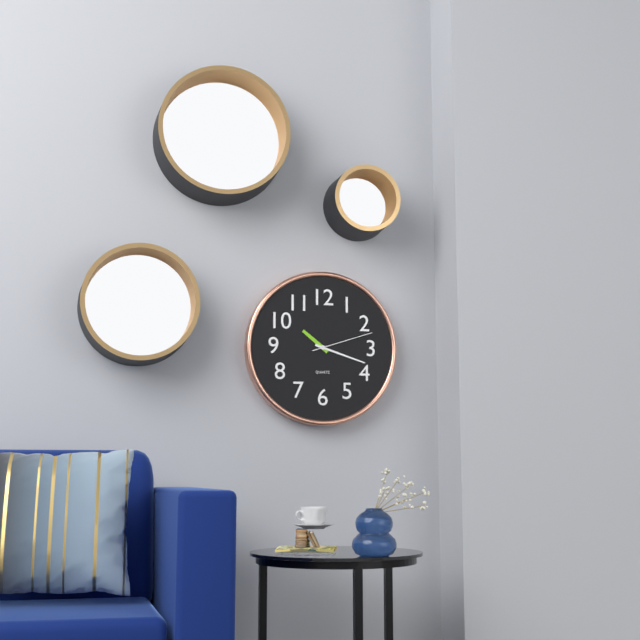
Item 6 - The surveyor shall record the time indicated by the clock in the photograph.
10:18:12
